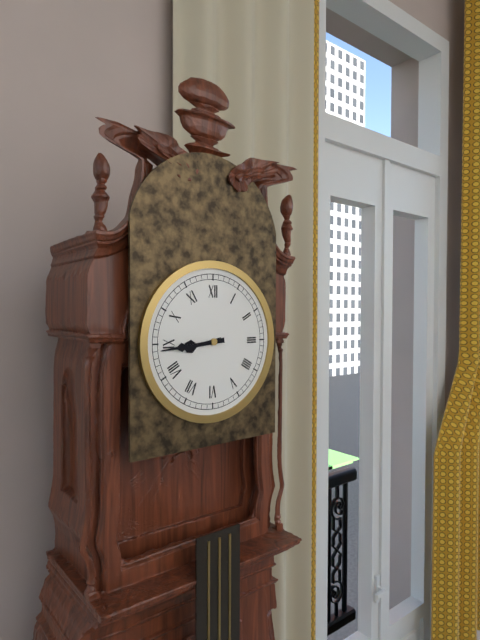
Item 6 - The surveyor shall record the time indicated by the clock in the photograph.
8:44
